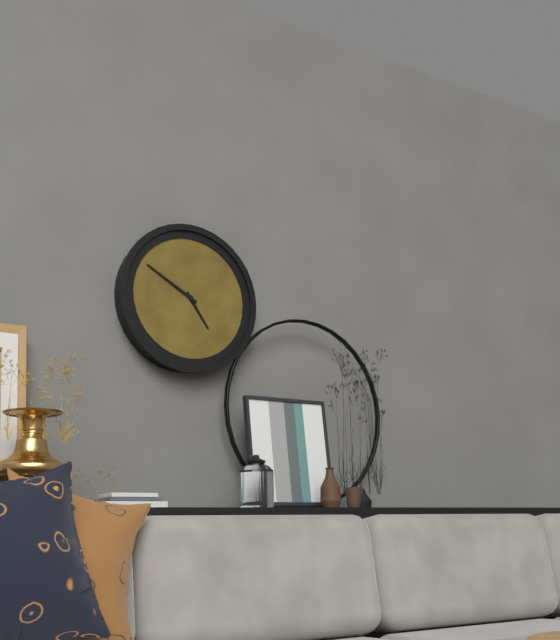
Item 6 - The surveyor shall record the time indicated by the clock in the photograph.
4:50
